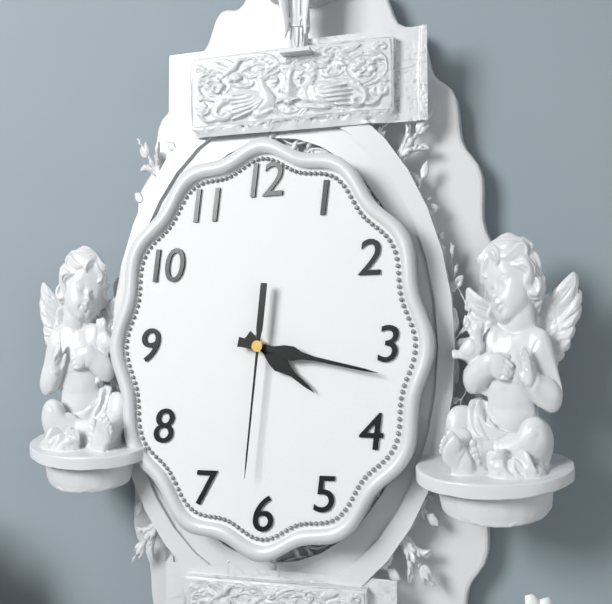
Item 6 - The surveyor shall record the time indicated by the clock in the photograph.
4:17:31
